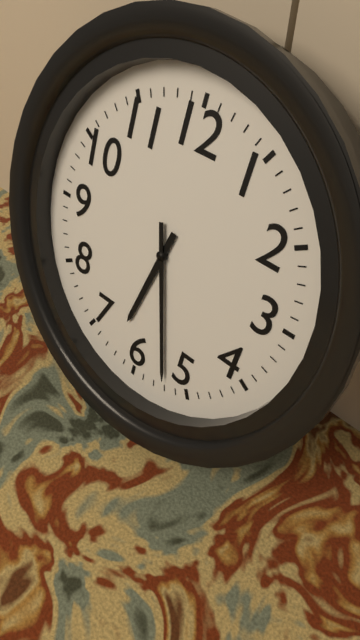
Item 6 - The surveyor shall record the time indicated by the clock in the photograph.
6:27
